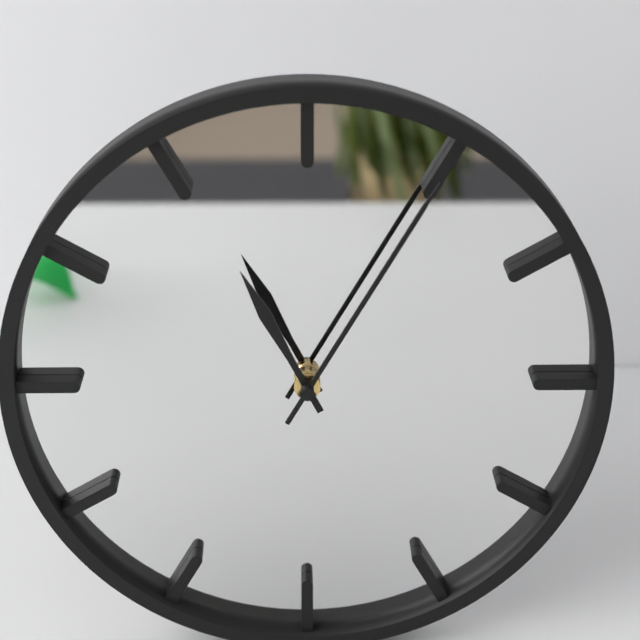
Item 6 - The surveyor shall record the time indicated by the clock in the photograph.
11:05
